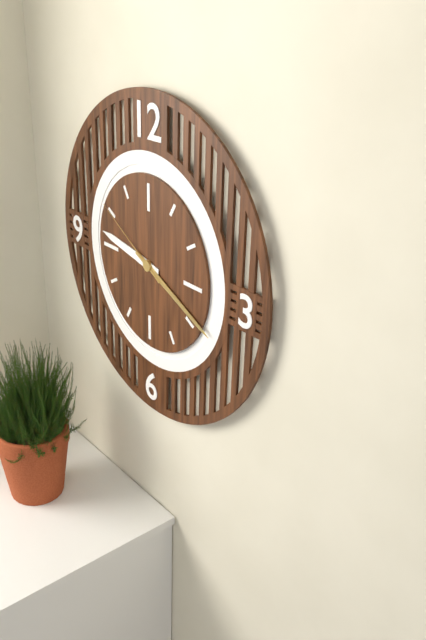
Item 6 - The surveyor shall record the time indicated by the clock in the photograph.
9:19:50
